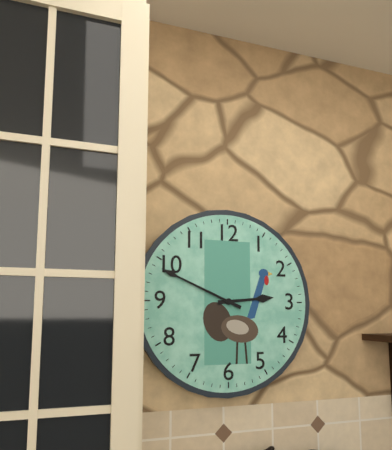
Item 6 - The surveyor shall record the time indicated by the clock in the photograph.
2:49
